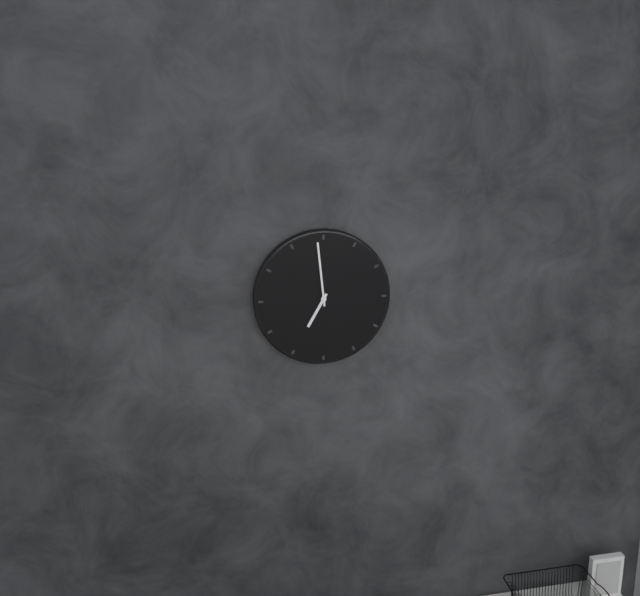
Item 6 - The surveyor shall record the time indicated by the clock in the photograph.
6:59
